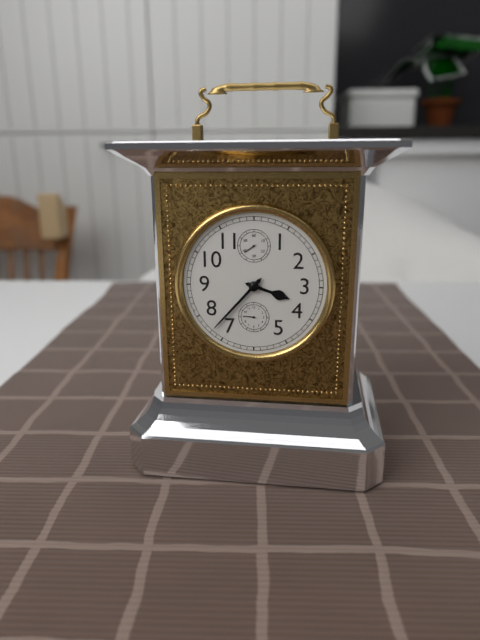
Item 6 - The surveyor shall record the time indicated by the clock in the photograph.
3:37
